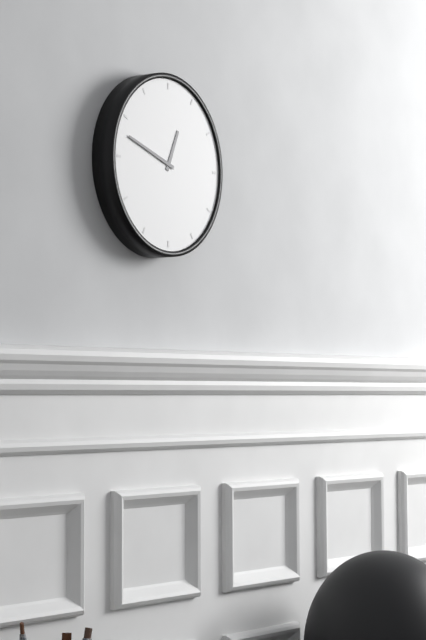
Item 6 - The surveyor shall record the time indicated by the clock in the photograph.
12:48
